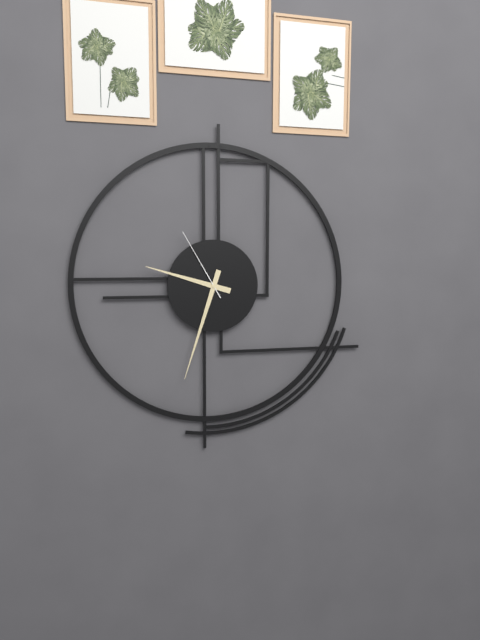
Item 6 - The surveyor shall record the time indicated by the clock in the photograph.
9:33:55
